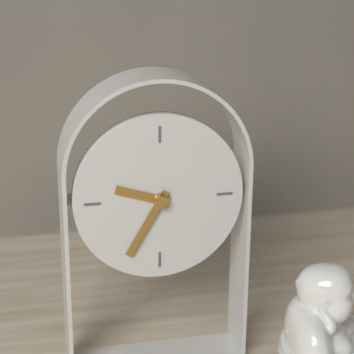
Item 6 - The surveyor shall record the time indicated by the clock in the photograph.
9:35
